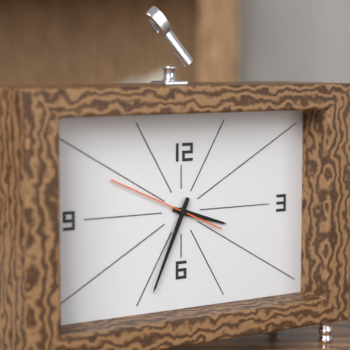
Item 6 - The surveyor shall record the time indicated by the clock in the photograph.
3:34:49
